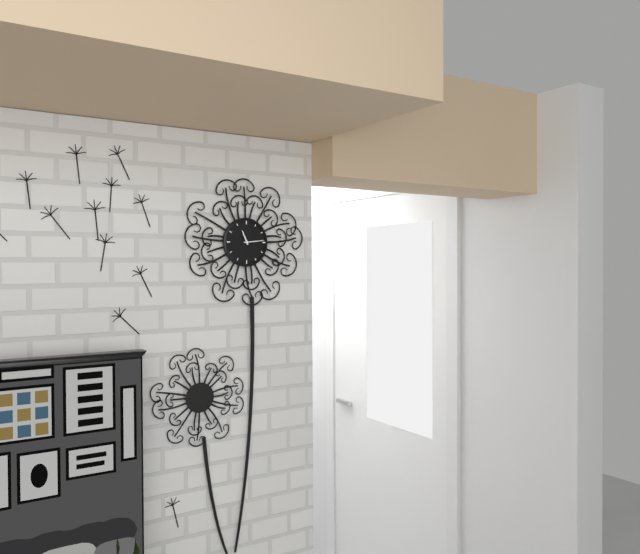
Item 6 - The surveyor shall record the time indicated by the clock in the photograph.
11:14
